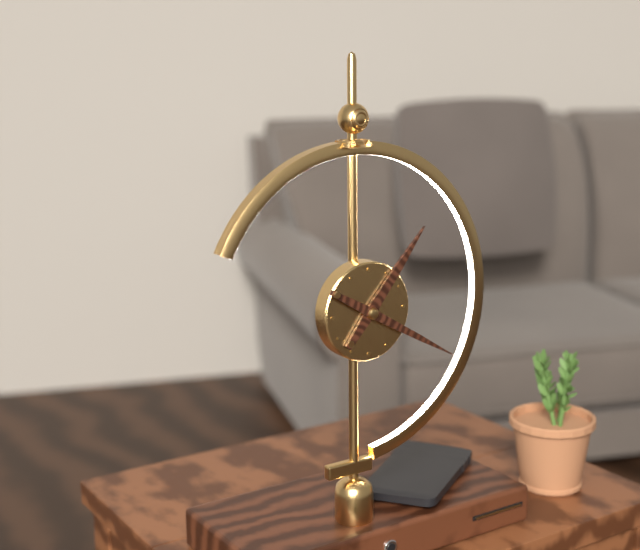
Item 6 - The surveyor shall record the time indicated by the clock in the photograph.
1:20
